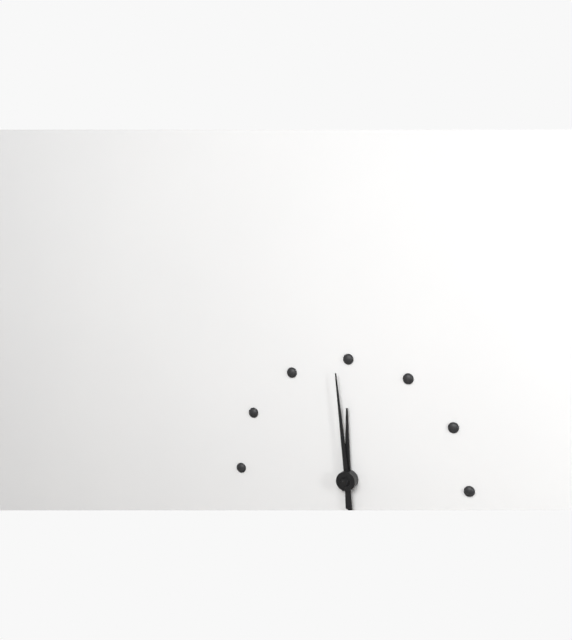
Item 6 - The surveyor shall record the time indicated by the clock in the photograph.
11:59
